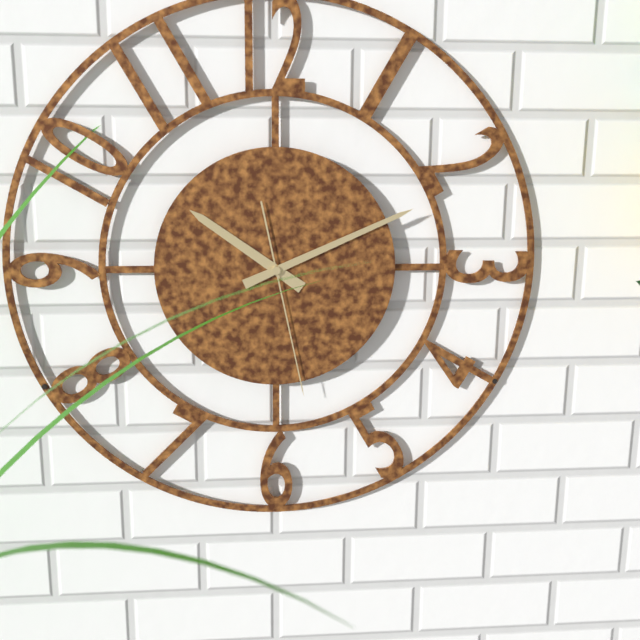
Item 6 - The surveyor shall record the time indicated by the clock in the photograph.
10:11:28
